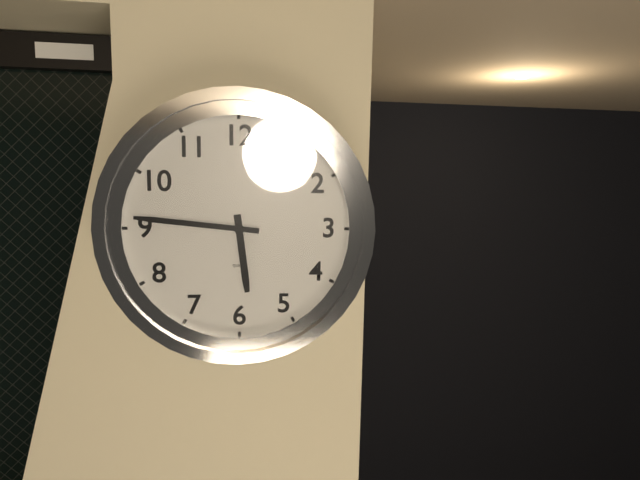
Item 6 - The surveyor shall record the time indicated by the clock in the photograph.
5:46
